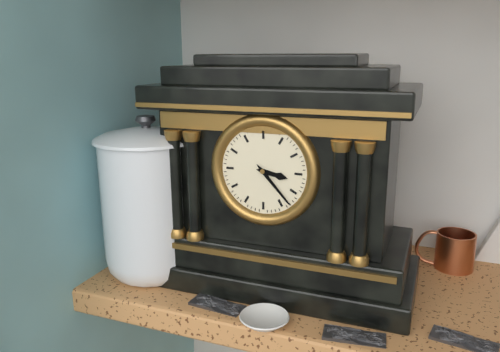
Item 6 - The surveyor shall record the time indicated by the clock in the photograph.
3:23
